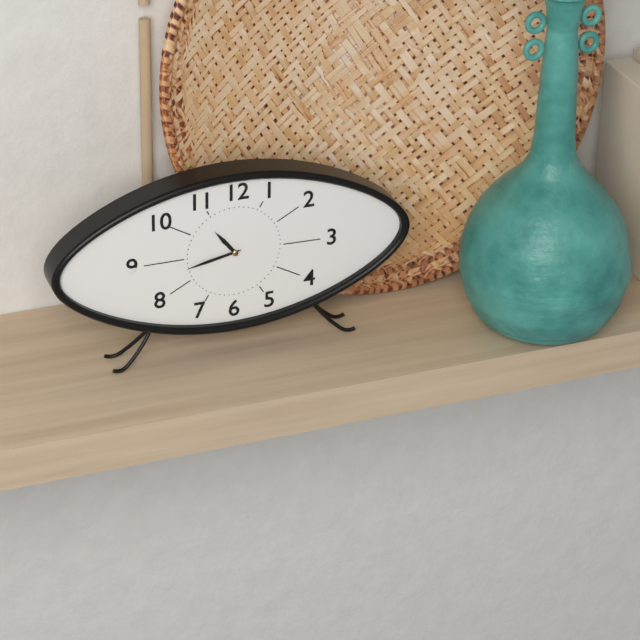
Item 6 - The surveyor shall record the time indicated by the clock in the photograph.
10:43
